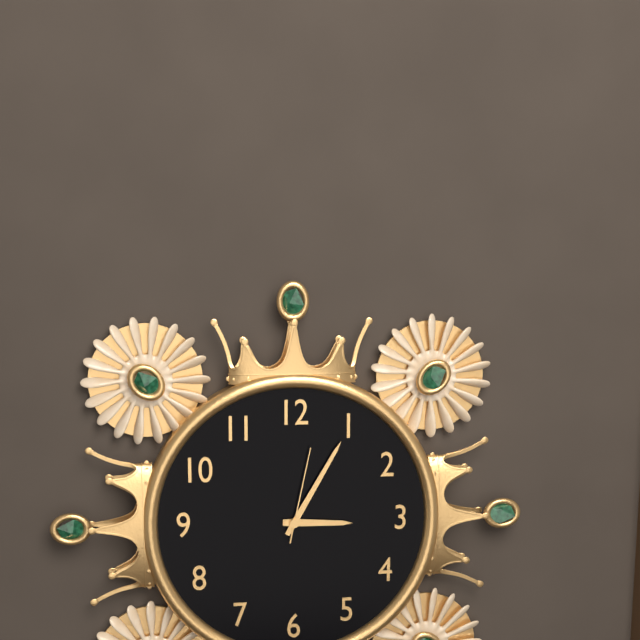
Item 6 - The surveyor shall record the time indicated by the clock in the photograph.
3:05:02
